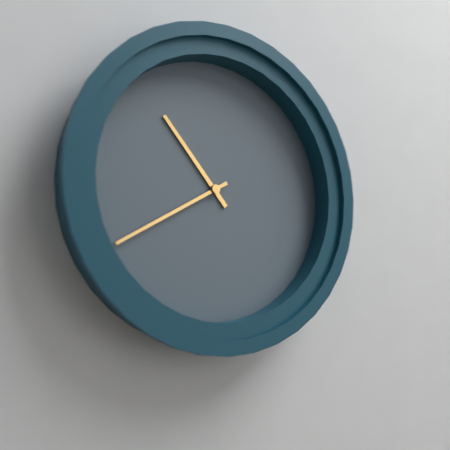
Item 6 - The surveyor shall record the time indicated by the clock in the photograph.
10:40
